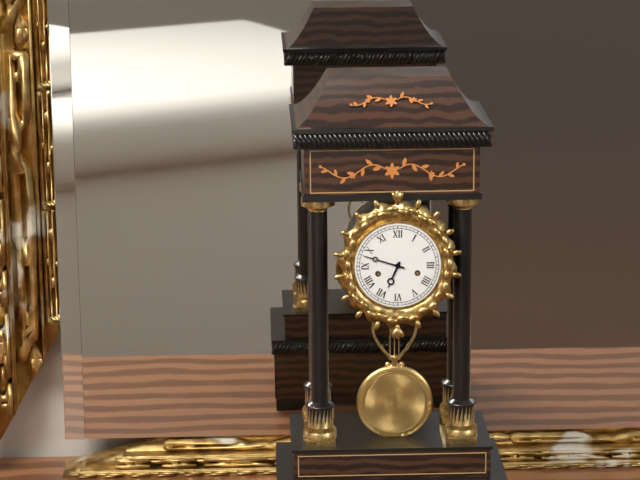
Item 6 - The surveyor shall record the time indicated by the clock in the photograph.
6:48
